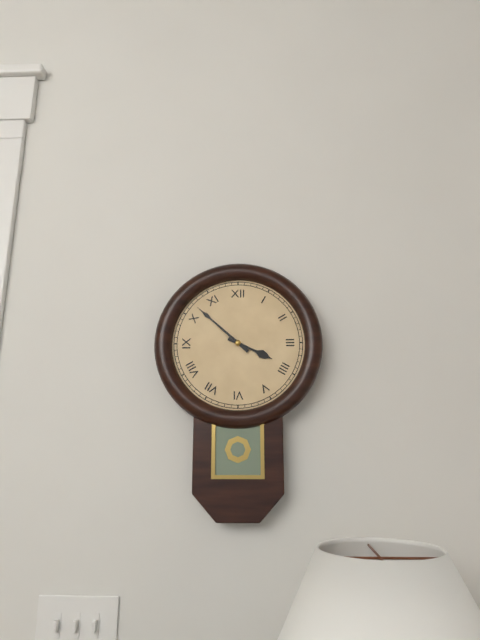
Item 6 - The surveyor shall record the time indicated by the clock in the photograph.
3:52
